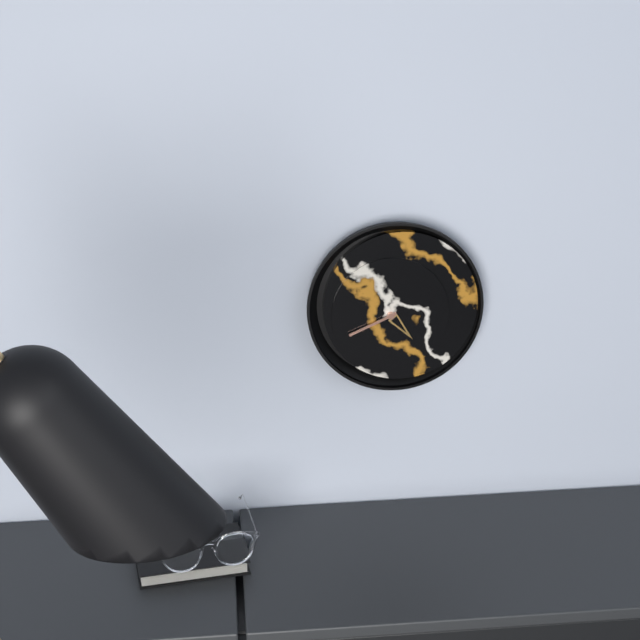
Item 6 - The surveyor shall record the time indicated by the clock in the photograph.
4:41
